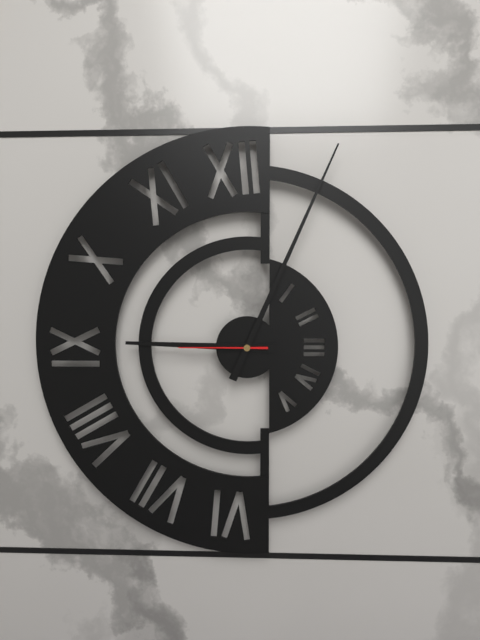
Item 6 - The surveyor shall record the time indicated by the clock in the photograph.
9:04:45
